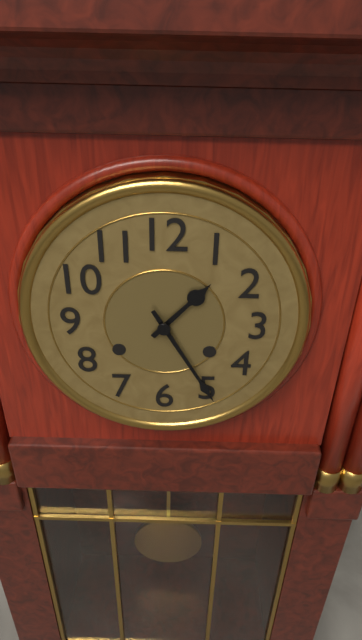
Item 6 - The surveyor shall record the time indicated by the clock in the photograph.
1:25
